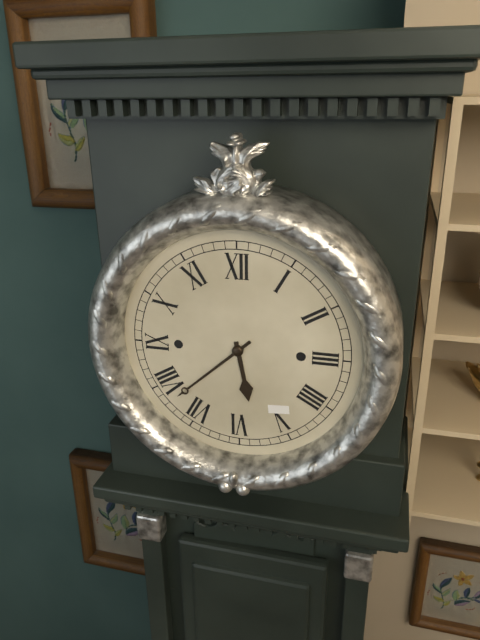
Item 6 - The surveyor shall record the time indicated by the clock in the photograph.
5:38
